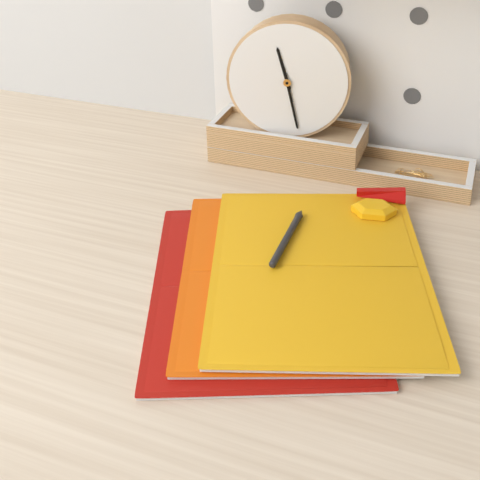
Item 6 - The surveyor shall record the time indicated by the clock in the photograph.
11:28
